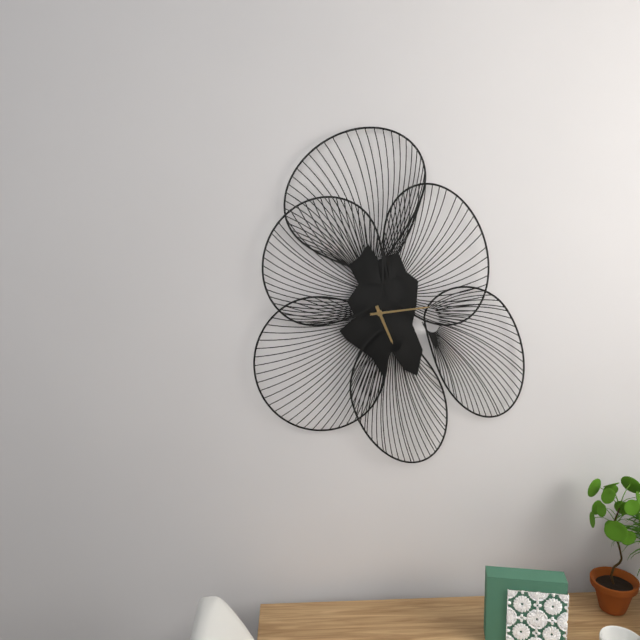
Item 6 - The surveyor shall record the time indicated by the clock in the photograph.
5:14
